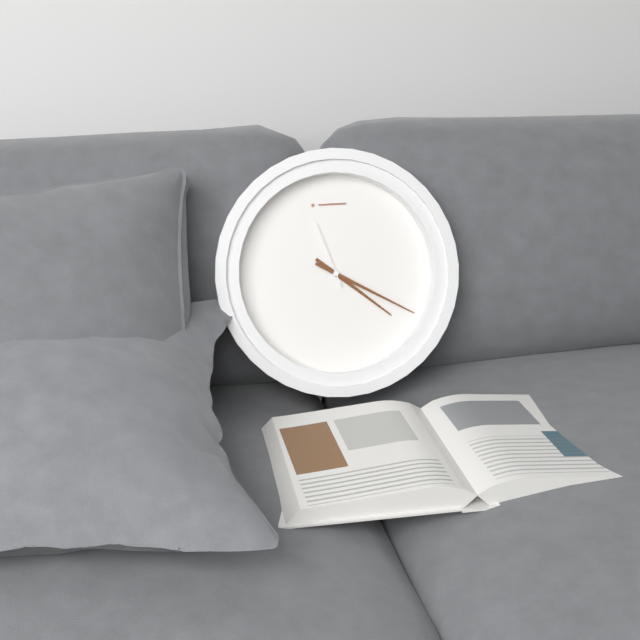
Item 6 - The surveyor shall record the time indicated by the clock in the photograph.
4:20:57
